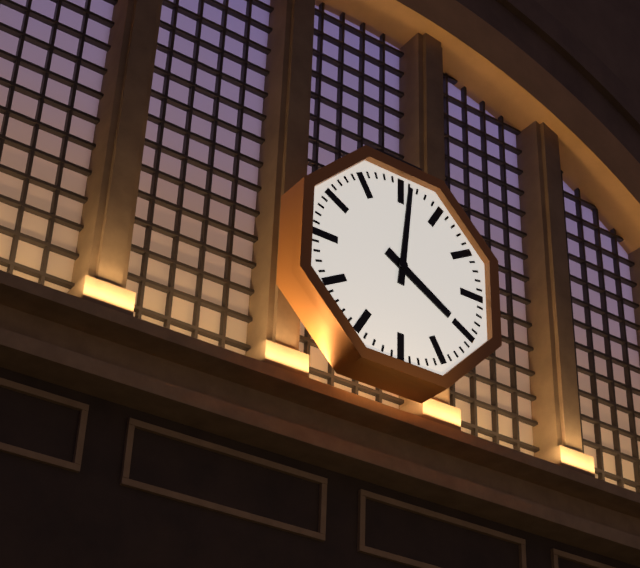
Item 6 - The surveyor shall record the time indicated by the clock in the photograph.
4:01
